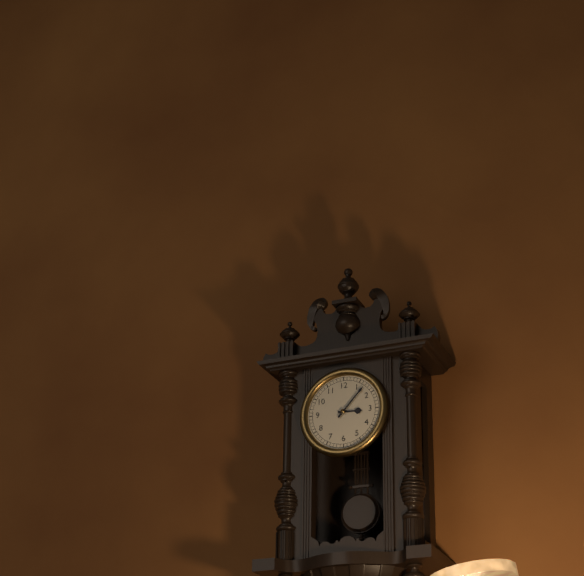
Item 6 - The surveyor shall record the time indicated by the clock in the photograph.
3:07
